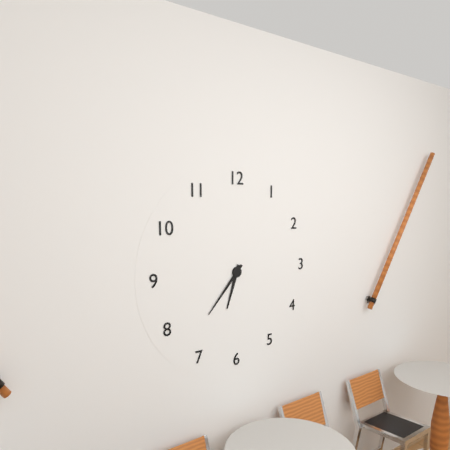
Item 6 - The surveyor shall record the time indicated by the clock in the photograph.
6:37
